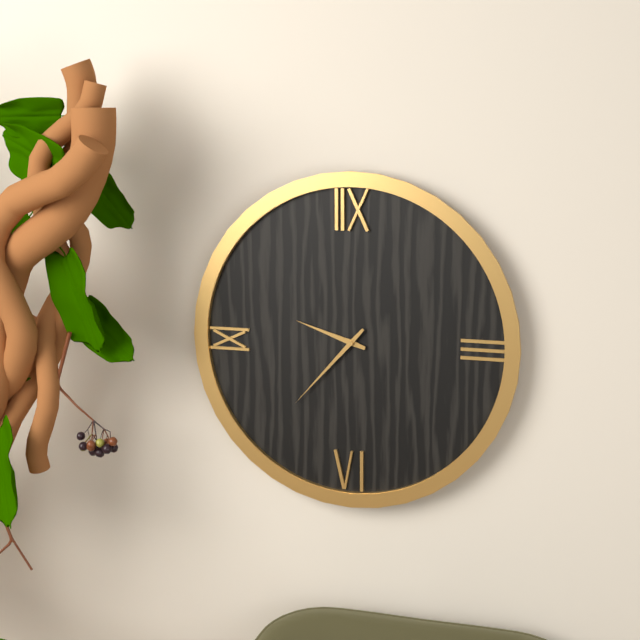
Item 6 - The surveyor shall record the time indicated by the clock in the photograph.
9:37
